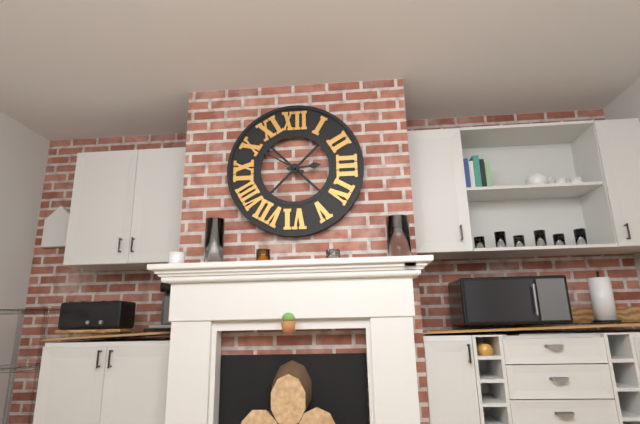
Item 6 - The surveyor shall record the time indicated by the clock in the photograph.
2:50
